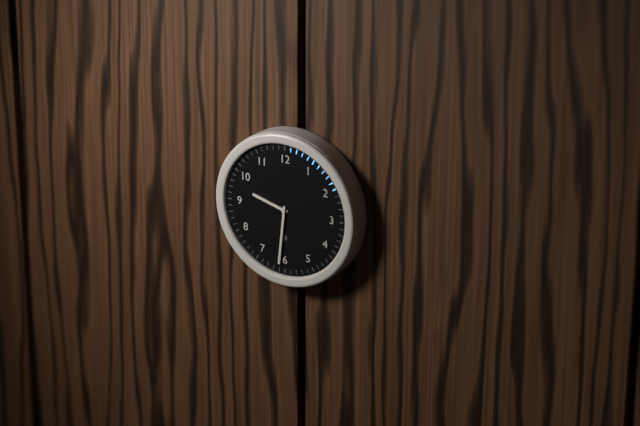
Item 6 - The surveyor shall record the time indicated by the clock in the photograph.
9:31
